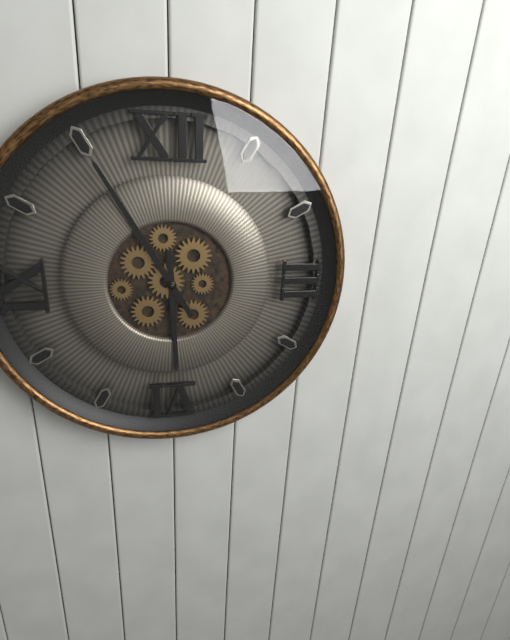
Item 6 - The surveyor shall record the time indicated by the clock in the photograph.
5:55
